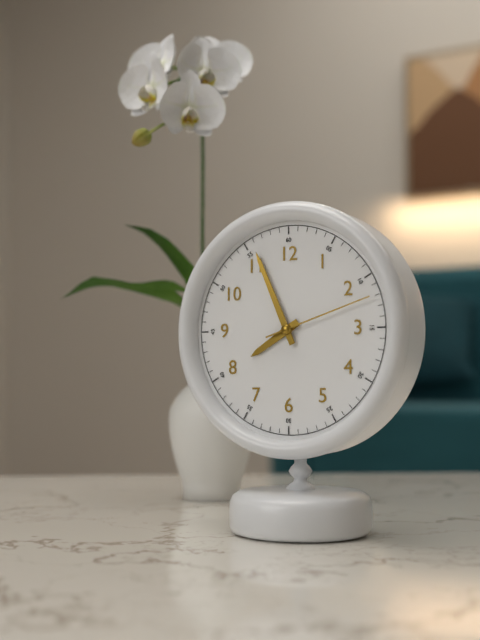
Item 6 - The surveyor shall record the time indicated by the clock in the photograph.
7:56:12
